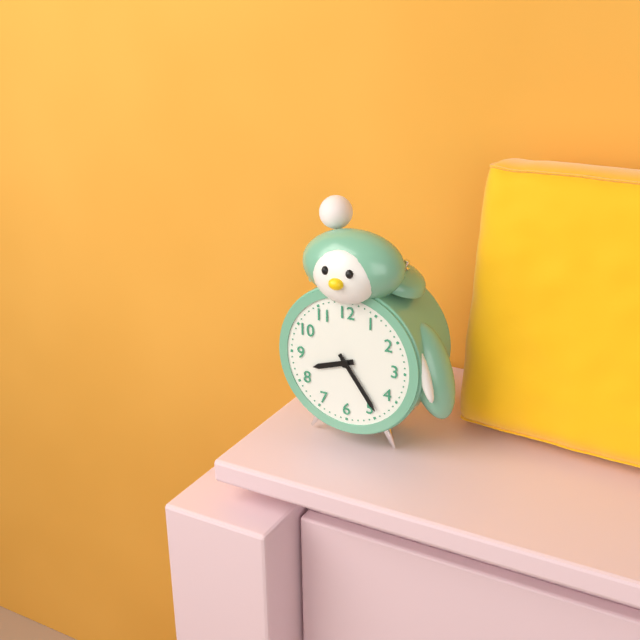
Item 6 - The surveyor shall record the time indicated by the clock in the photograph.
8:24
